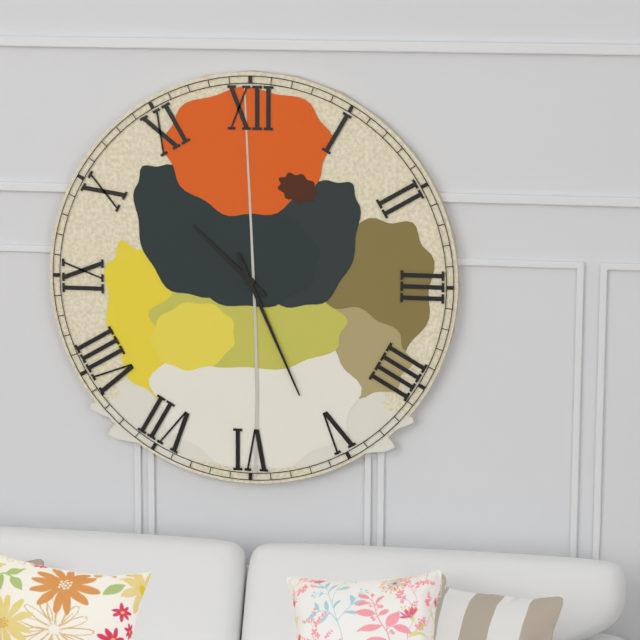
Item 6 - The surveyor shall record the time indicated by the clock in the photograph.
10:26
